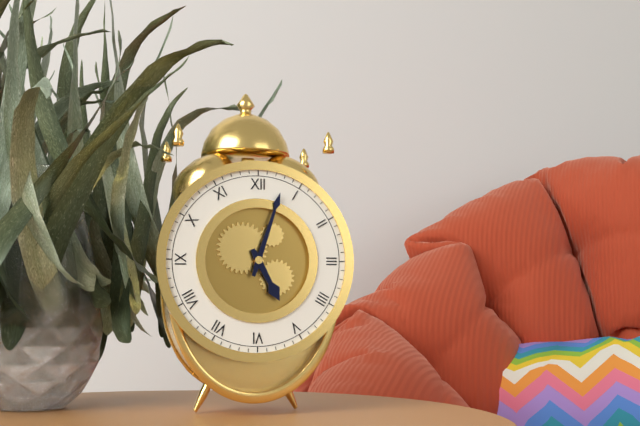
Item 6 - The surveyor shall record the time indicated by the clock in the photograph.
5:03
